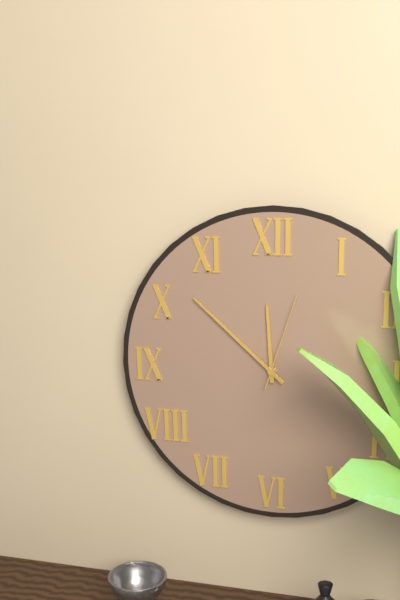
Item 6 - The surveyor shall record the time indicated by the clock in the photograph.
11:52:03
